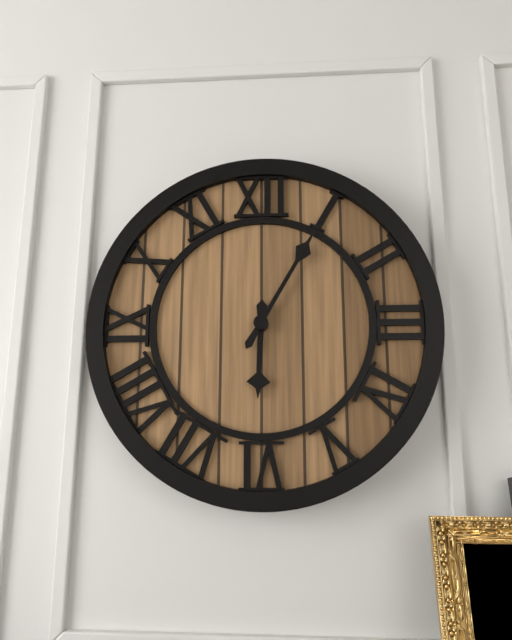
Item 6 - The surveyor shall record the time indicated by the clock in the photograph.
6:05
